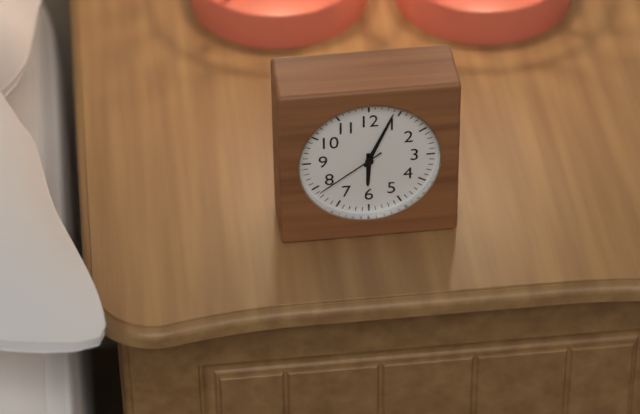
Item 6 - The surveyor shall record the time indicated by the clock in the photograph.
6:04:39
